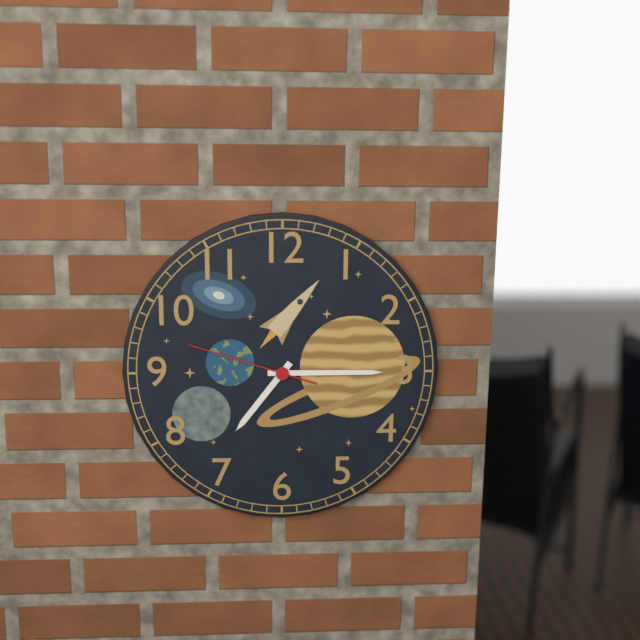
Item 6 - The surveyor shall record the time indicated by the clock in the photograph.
7:15:48
